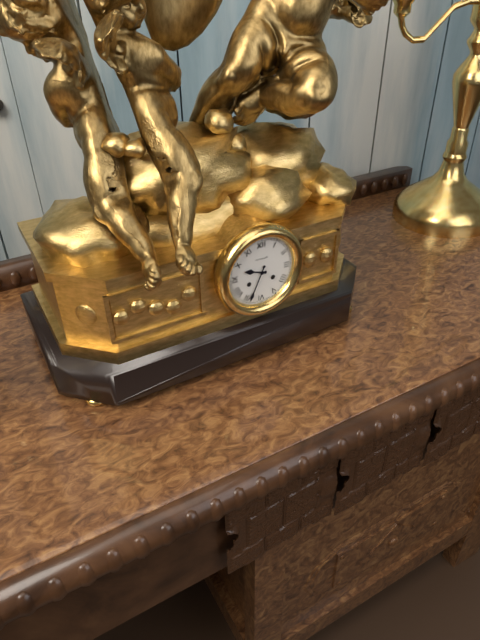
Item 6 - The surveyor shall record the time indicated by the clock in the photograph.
9:34
